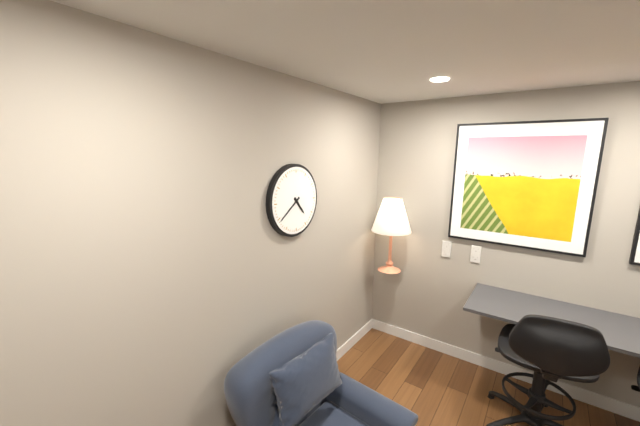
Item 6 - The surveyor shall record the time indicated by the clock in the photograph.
4:39
